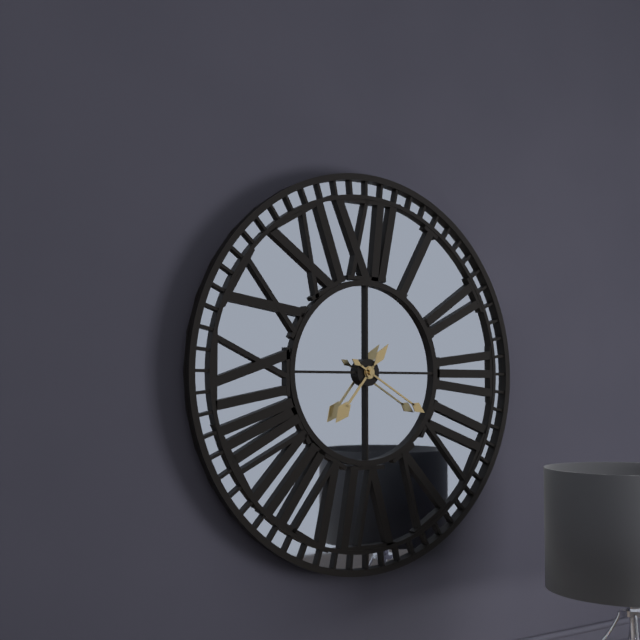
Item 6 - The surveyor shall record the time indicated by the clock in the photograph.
7:20
